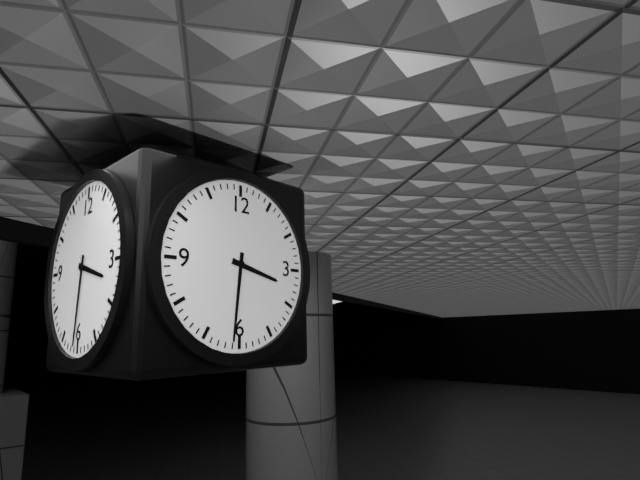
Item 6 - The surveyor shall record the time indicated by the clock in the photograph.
3:31
